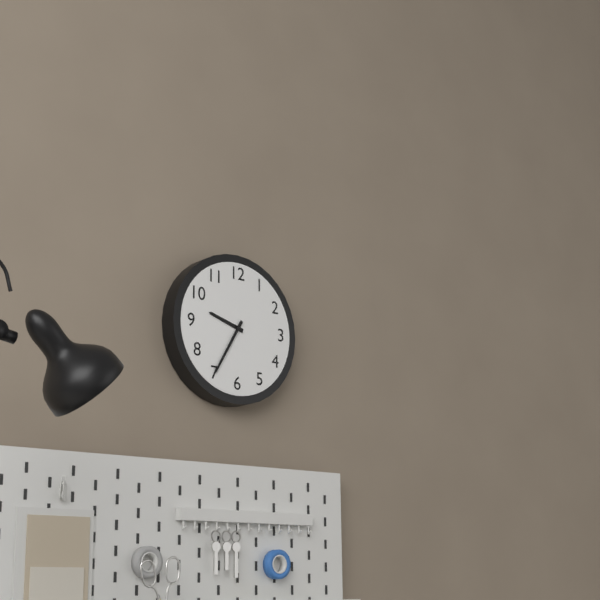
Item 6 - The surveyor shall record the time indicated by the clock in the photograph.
9:35
